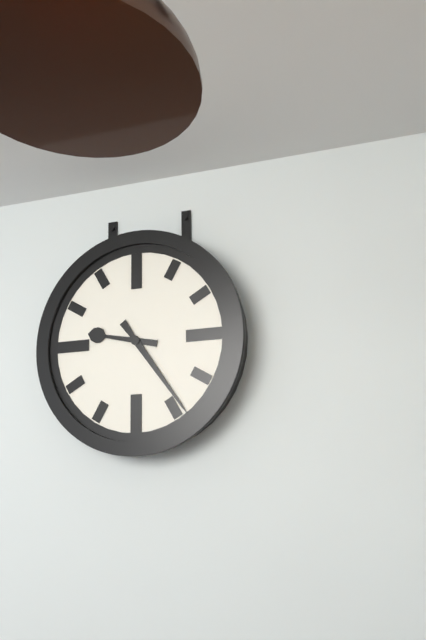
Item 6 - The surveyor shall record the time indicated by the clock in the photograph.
9:24
